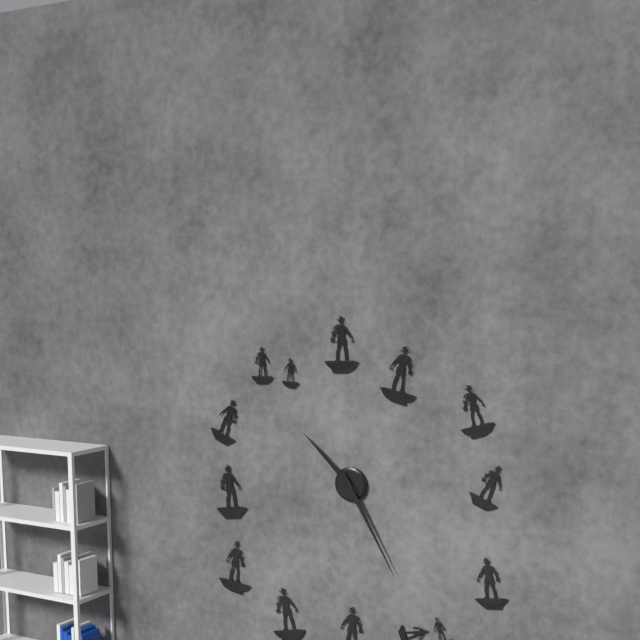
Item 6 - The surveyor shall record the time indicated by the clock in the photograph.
10:25
